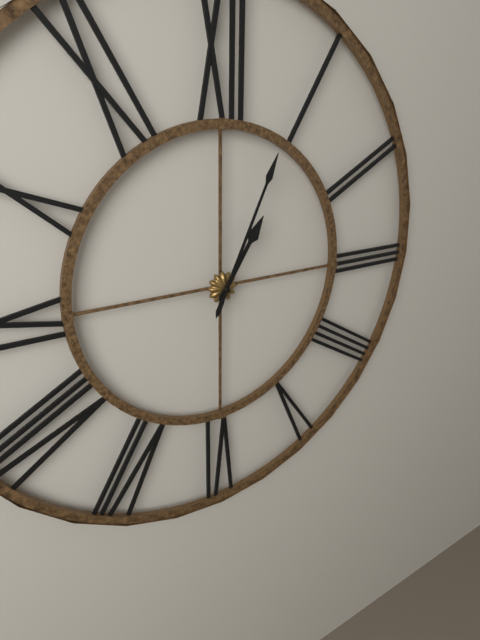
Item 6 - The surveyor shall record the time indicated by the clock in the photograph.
1:04
